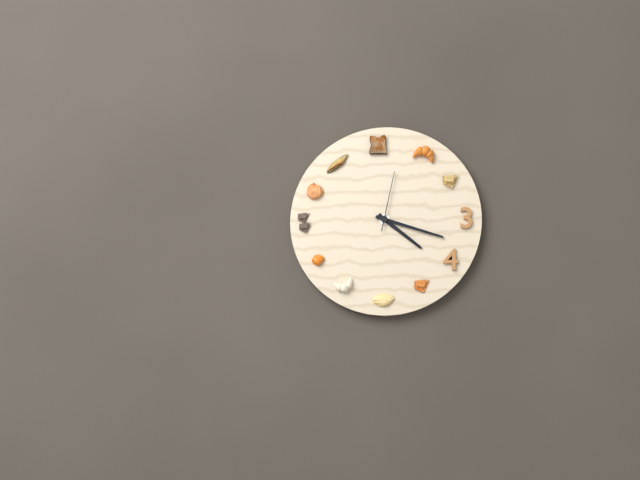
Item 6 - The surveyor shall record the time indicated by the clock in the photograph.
4:18:02
